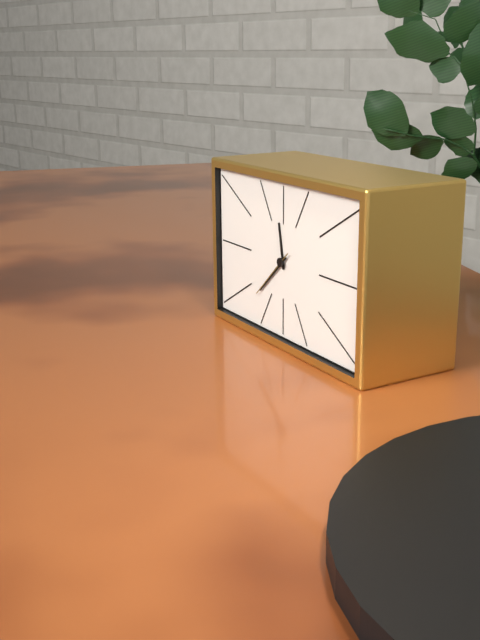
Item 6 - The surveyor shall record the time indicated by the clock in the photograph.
11:38
